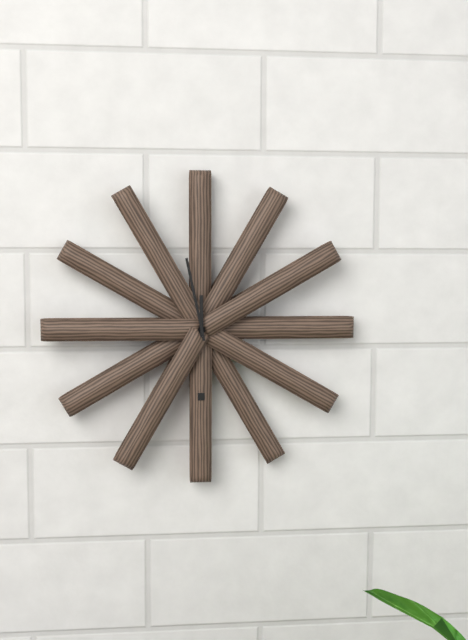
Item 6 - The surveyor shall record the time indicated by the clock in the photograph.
11:58
